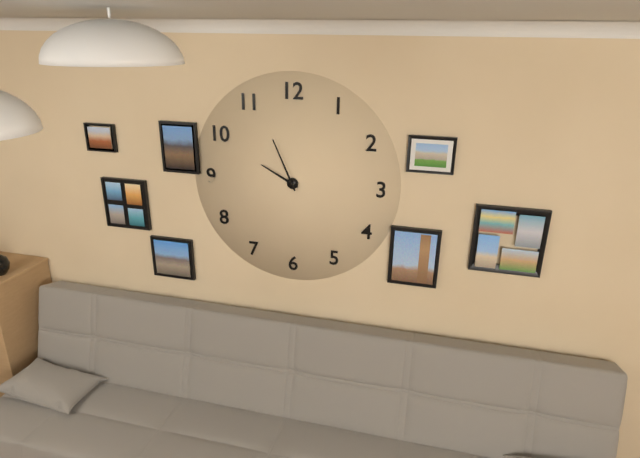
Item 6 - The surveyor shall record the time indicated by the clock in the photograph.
9:56
